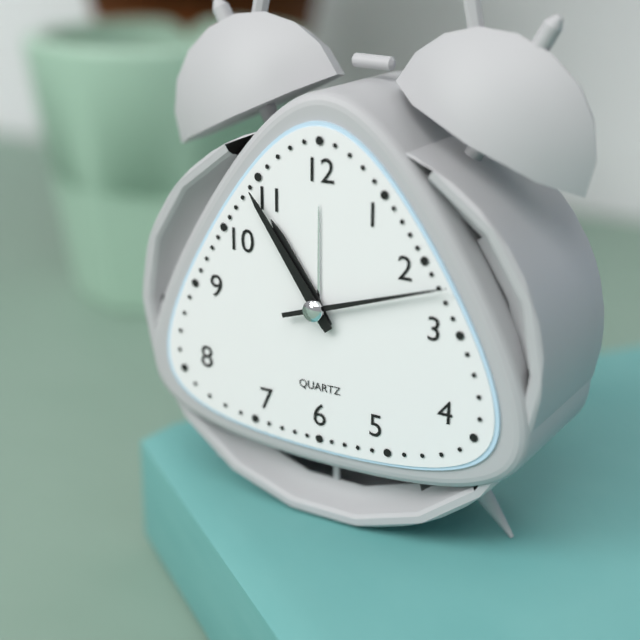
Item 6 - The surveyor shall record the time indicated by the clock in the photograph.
10:54:12
